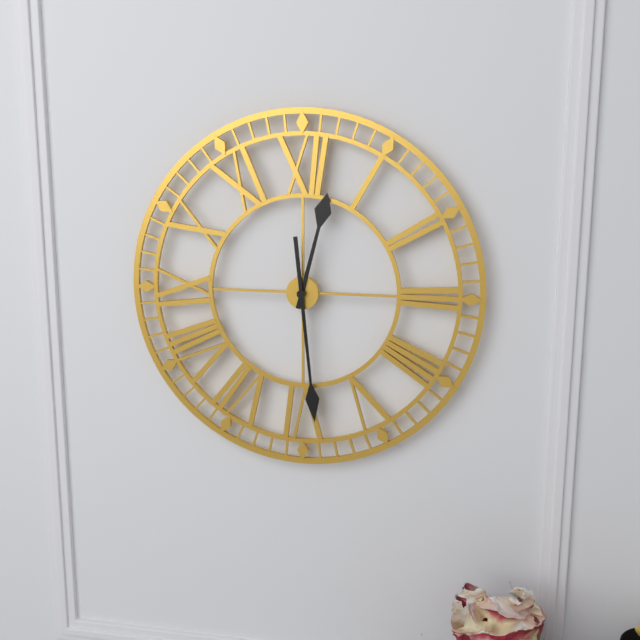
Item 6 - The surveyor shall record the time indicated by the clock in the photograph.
12:29
